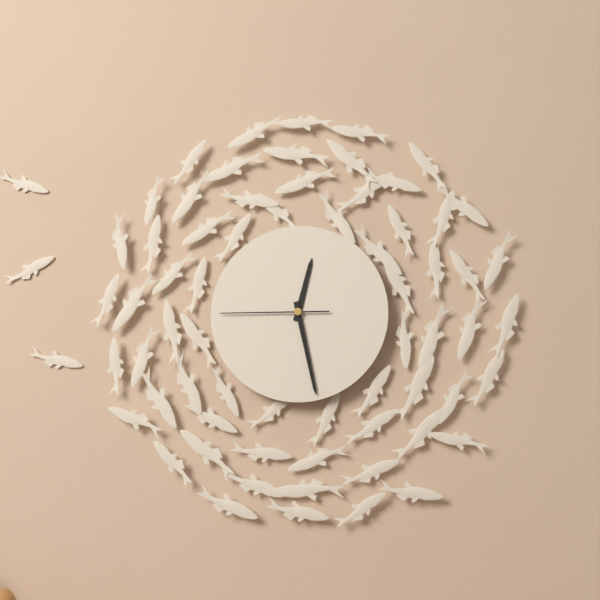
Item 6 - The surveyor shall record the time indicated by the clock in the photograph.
12:28:45
